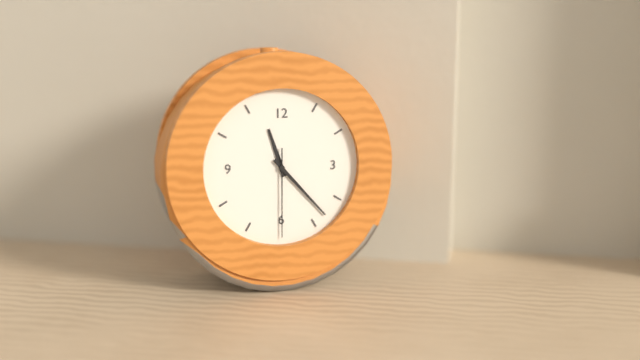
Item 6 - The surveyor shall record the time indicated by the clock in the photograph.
11:23:30
